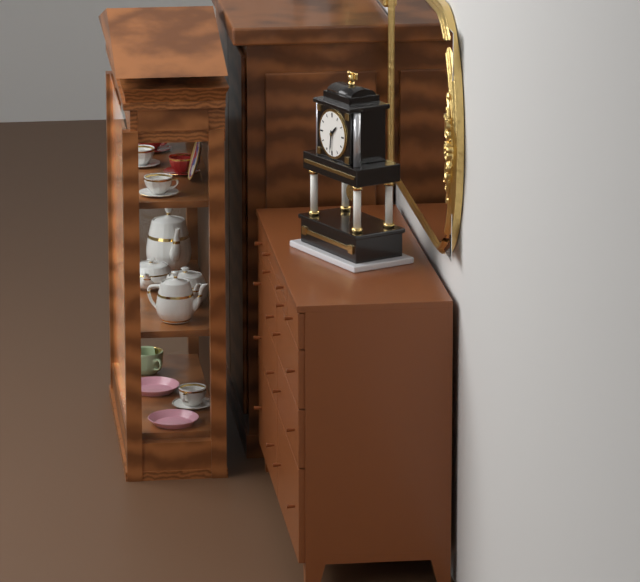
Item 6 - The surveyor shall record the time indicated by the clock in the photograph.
1:31
